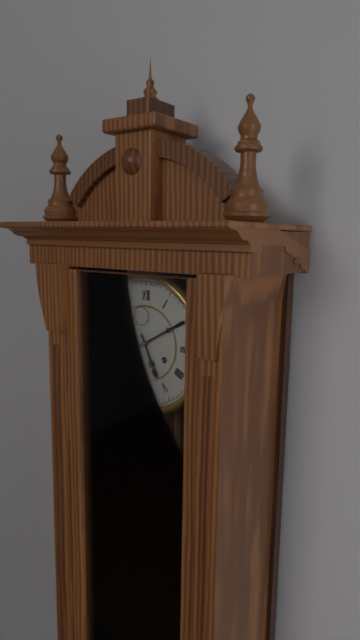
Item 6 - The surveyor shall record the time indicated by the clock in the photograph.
5:10
